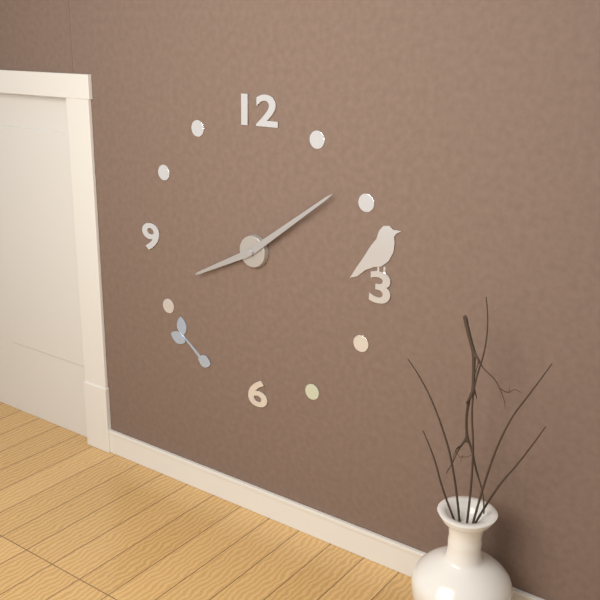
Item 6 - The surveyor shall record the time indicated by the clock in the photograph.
8:09
